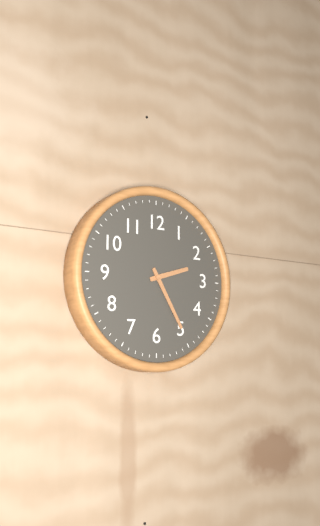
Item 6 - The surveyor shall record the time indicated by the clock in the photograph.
2:25
